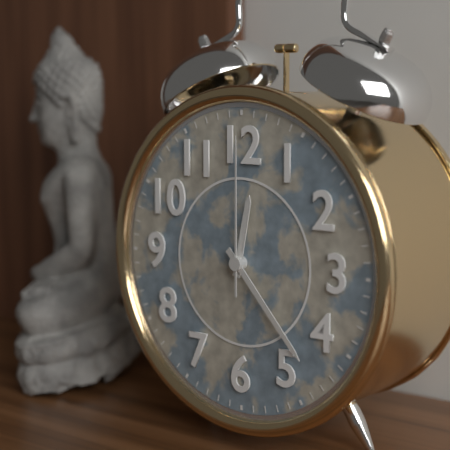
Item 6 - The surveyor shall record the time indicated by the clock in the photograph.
12:23:00
